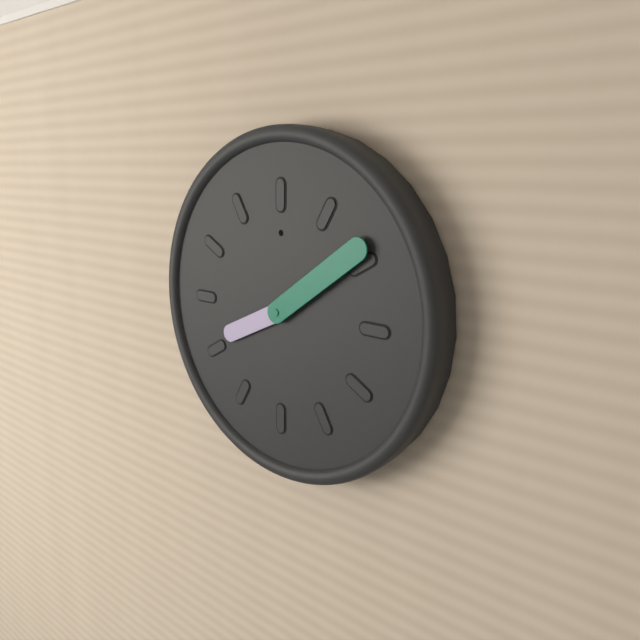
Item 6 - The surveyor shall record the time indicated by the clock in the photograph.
8:09
